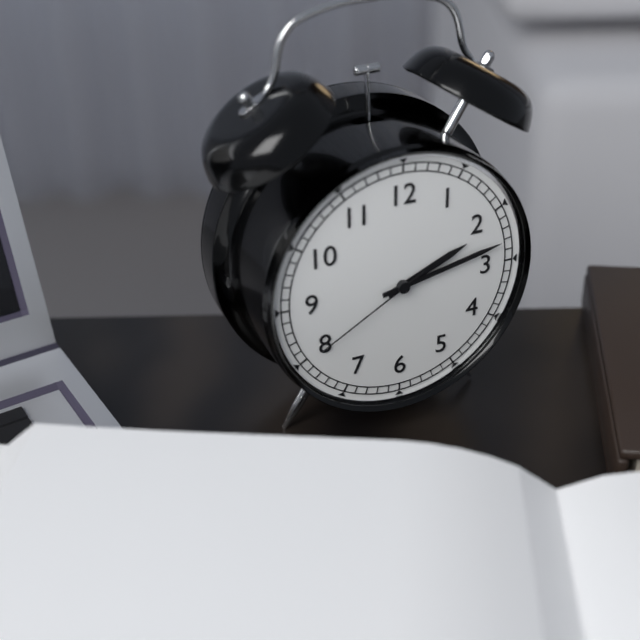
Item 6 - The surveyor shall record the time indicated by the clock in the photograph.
2:13:40
